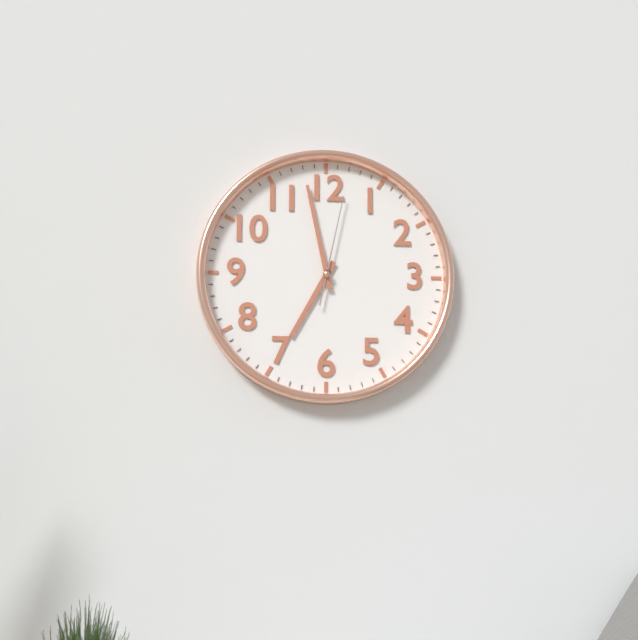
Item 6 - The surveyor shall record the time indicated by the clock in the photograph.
6:58:02
